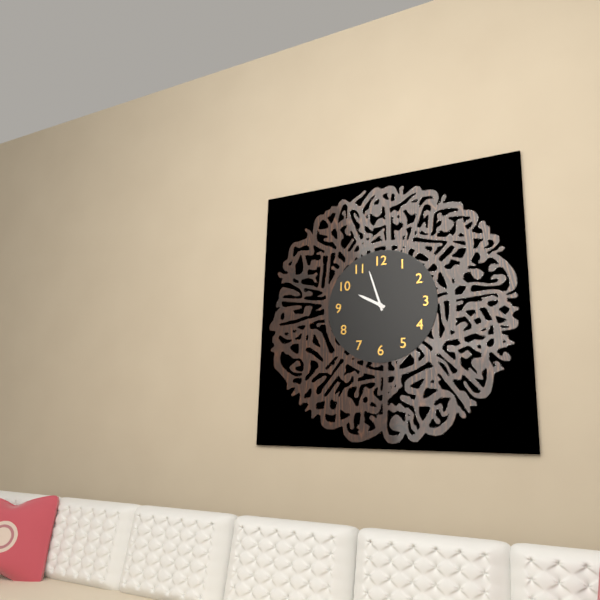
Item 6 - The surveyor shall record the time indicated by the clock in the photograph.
9:57
